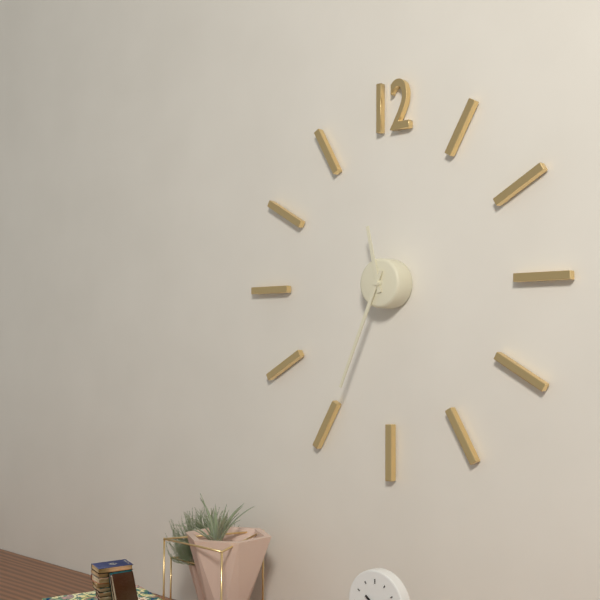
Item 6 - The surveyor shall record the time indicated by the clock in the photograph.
11:34
